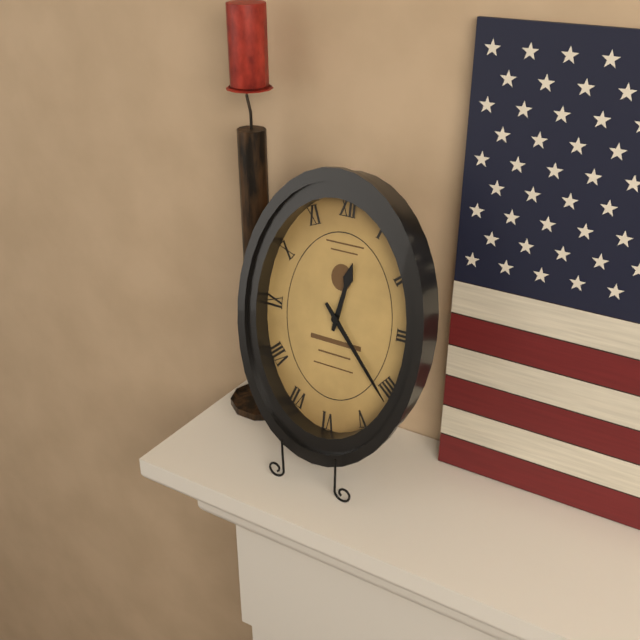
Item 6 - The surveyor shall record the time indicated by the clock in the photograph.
12:23
